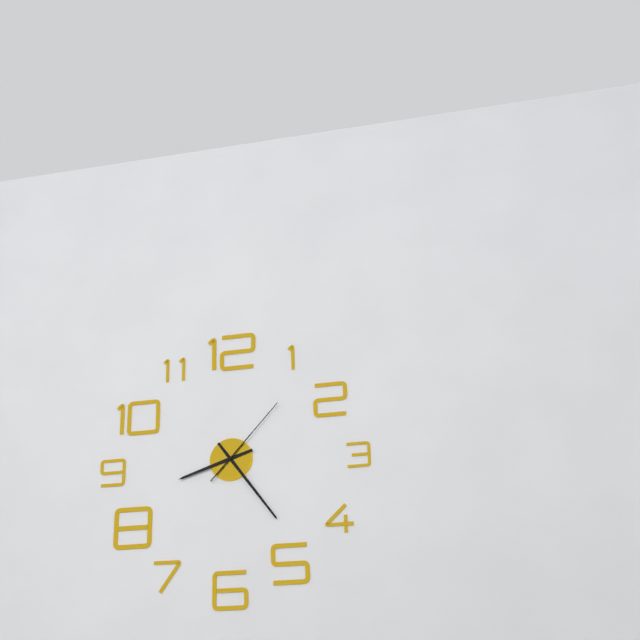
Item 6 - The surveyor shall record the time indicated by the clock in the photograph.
8:24:07
